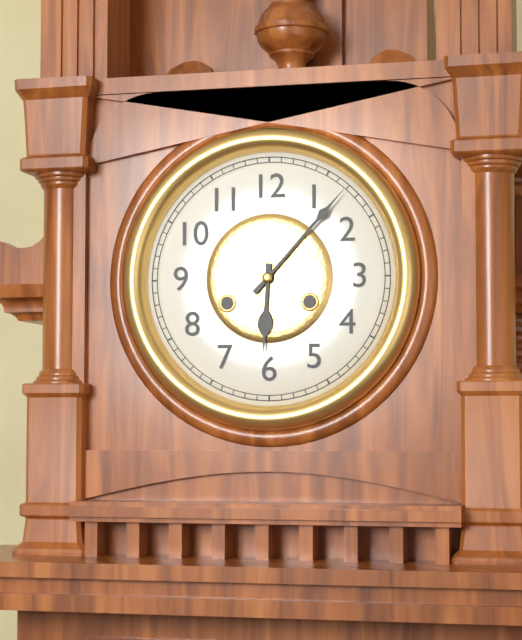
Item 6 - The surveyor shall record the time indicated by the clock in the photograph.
6:07
